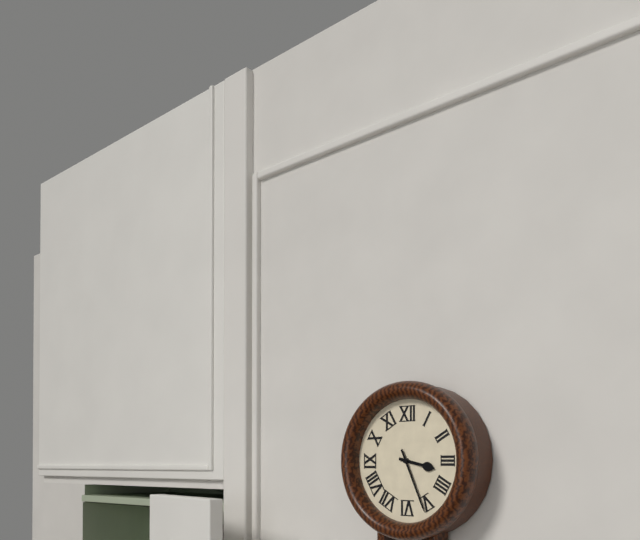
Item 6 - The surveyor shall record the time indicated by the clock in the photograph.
3:26
